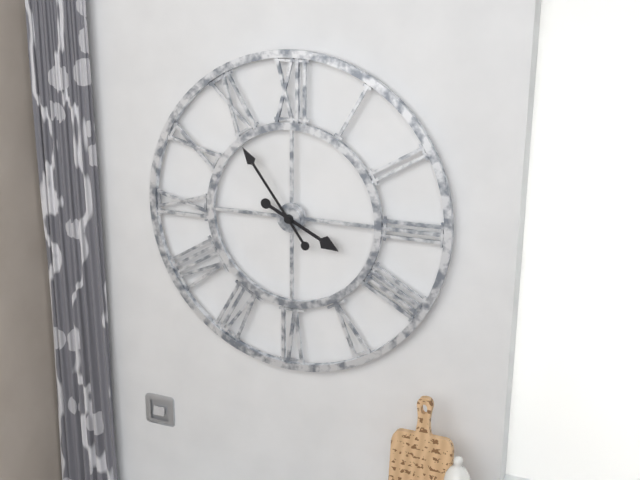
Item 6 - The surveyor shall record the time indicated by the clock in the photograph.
3:54
